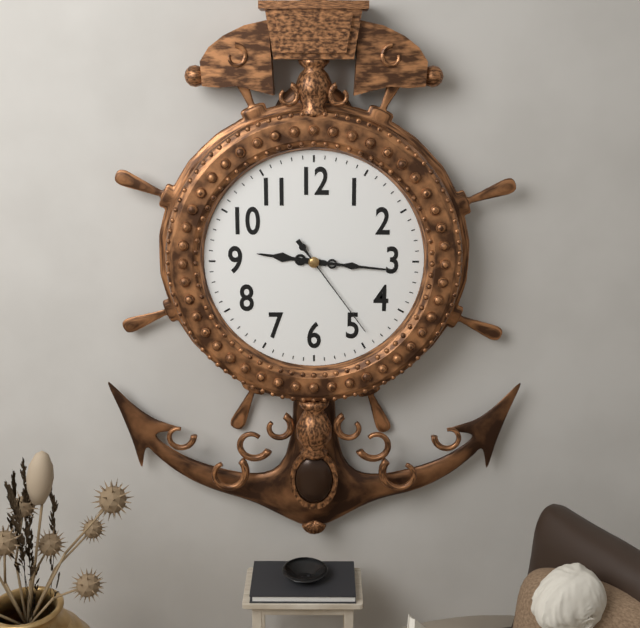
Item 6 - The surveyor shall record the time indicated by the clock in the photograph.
9:16:24
